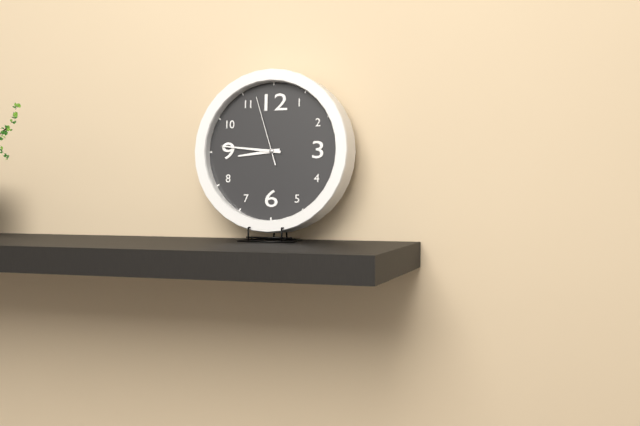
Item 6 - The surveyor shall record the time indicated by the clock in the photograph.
8:46:57
